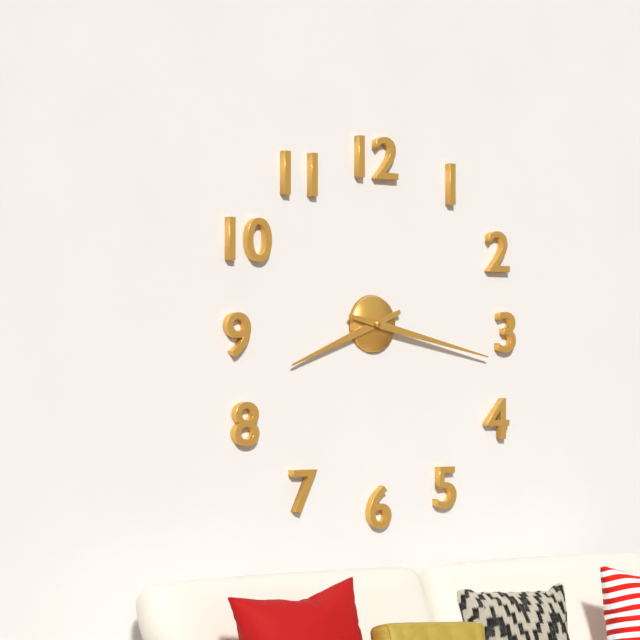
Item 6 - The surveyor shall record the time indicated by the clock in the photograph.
8:17
